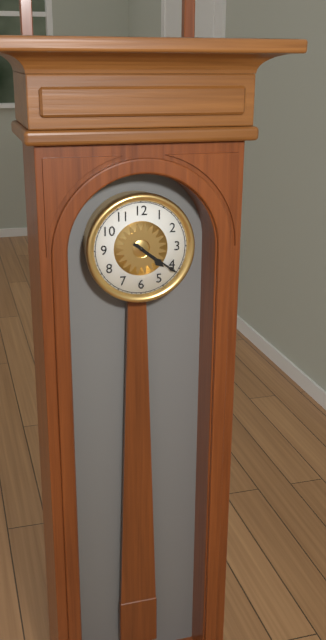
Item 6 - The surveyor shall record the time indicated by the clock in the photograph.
4:21
